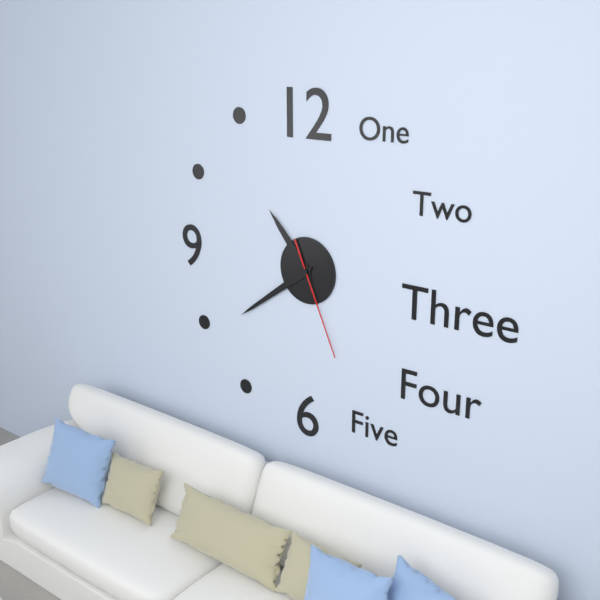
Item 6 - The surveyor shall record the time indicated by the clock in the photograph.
10:39:26
